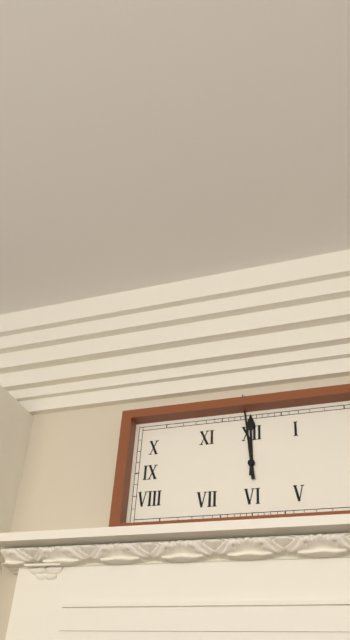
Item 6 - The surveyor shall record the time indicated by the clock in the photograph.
11:59
